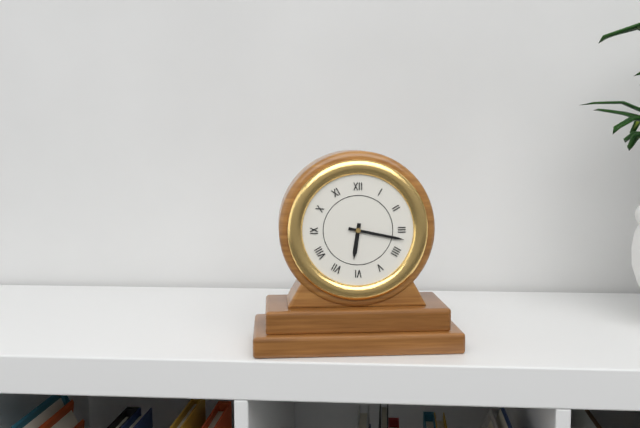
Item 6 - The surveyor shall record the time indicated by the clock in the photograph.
6:17
